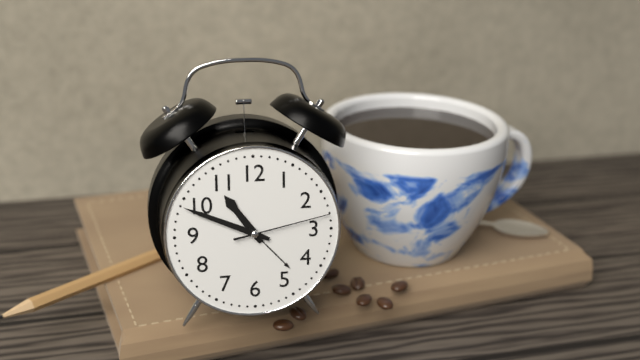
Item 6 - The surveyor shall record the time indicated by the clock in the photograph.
10:49:13
